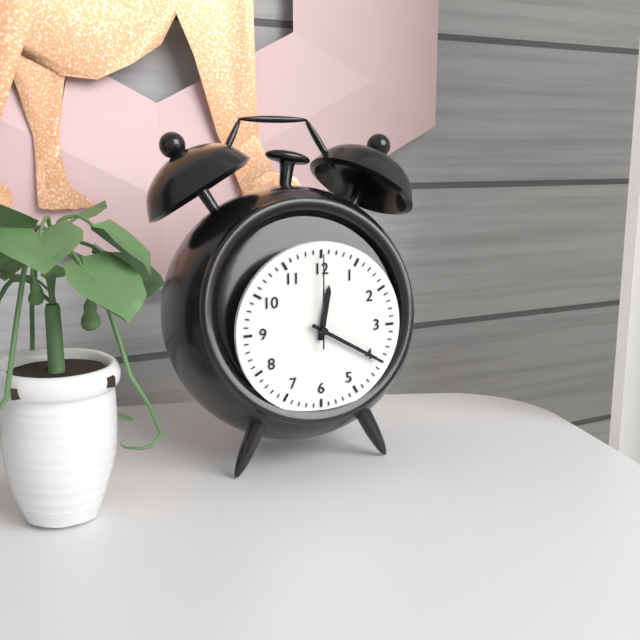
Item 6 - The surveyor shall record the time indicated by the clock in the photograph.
12:20:00
